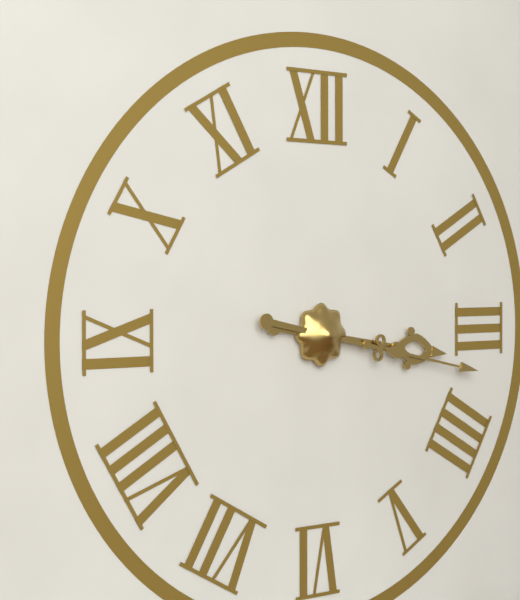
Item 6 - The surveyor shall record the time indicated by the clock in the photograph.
3:17
